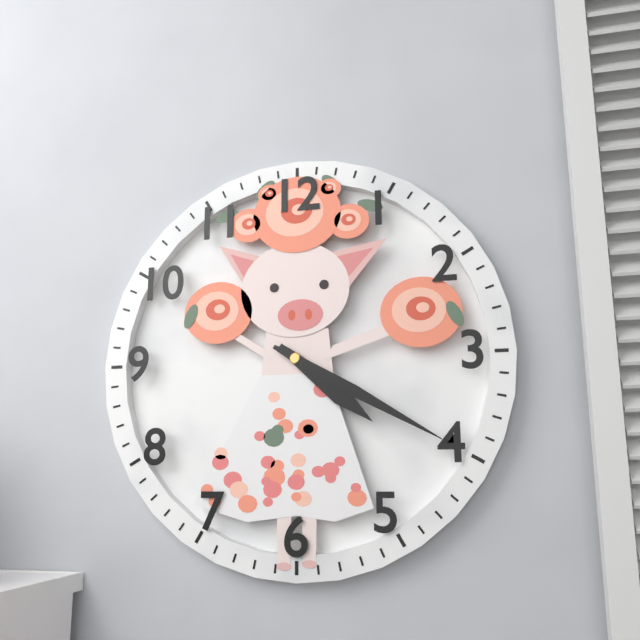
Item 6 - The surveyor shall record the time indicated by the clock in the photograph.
4:20
